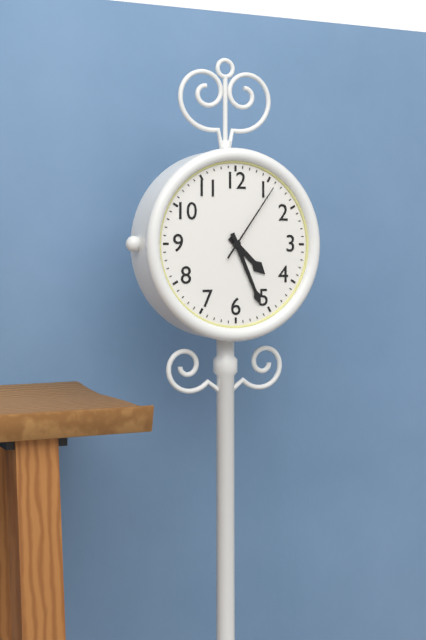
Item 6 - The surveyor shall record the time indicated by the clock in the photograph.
4:26:06
